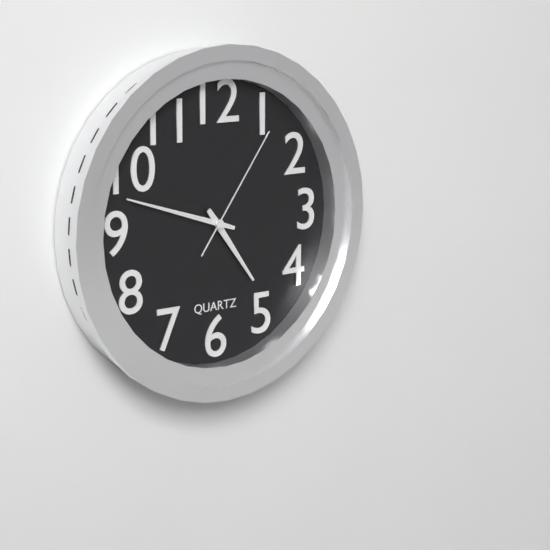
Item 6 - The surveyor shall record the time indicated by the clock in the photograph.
4:48:06
